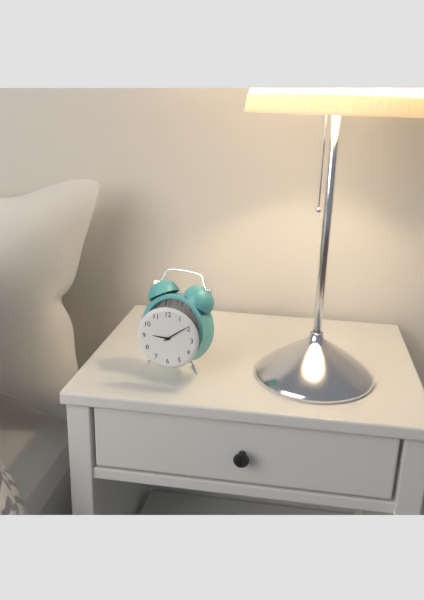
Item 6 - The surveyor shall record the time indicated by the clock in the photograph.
9:09
